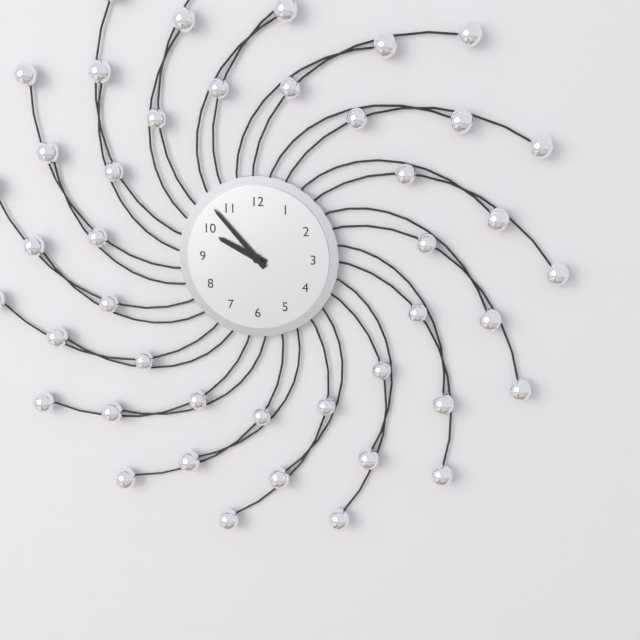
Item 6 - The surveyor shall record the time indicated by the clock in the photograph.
9:53
